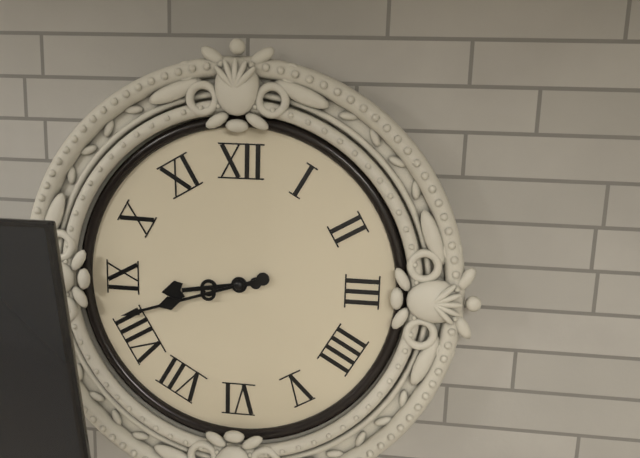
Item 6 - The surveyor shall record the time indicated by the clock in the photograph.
8:42
